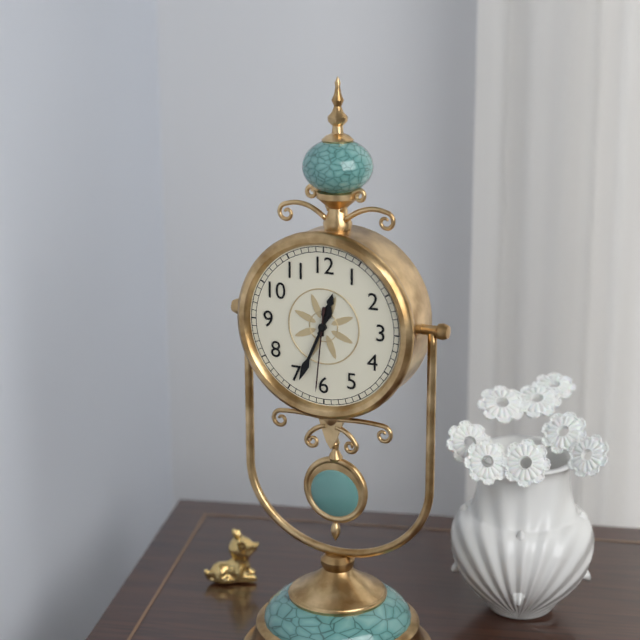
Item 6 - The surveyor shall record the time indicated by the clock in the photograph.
12:34:31
